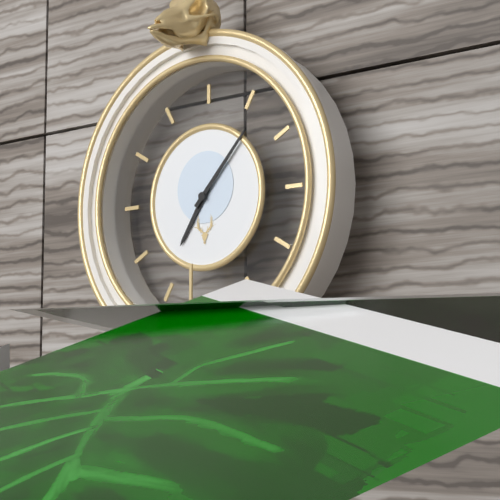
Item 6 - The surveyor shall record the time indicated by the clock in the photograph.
7:07
